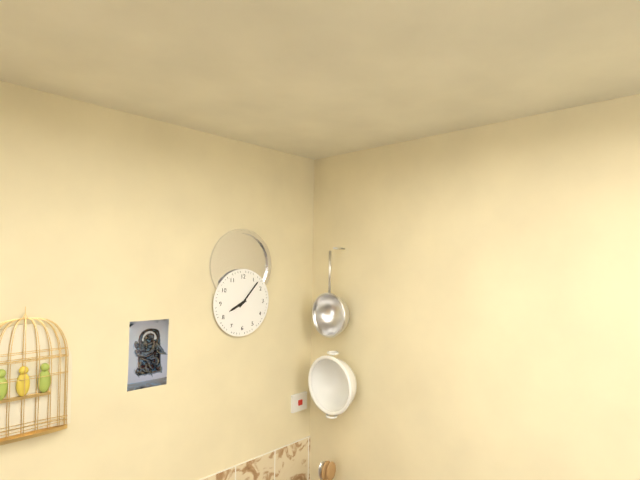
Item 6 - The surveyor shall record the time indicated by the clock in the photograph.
8:07
